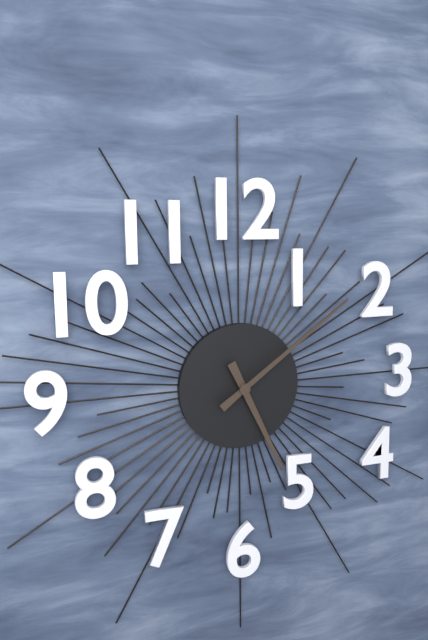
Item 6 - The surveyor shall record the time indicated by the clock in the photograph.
5:09
